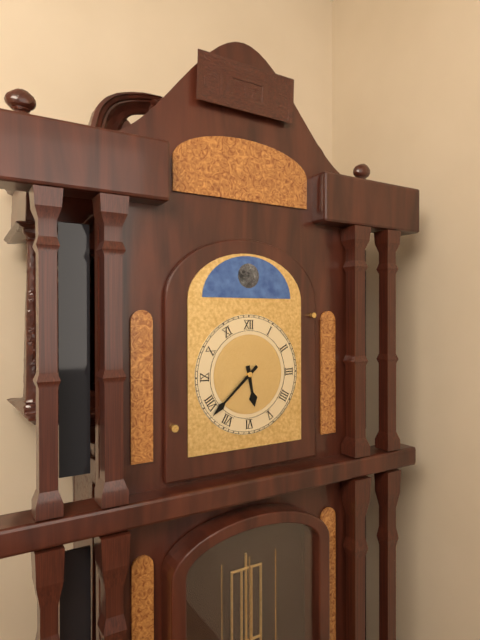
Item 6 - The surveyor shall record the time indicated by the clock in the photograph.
5:38
